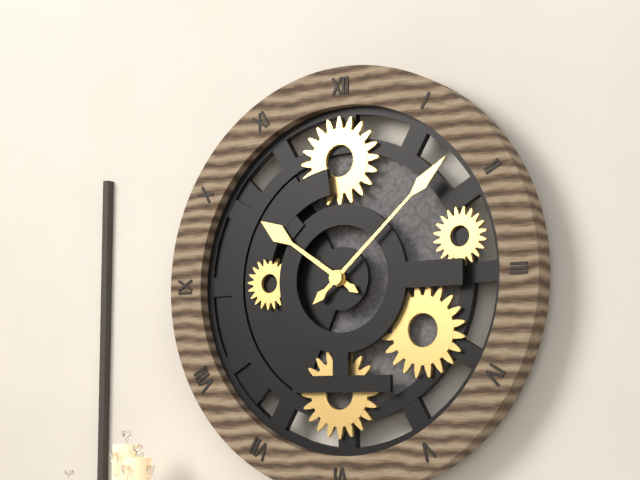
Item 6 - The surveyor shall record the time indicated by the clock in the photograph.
10:08
